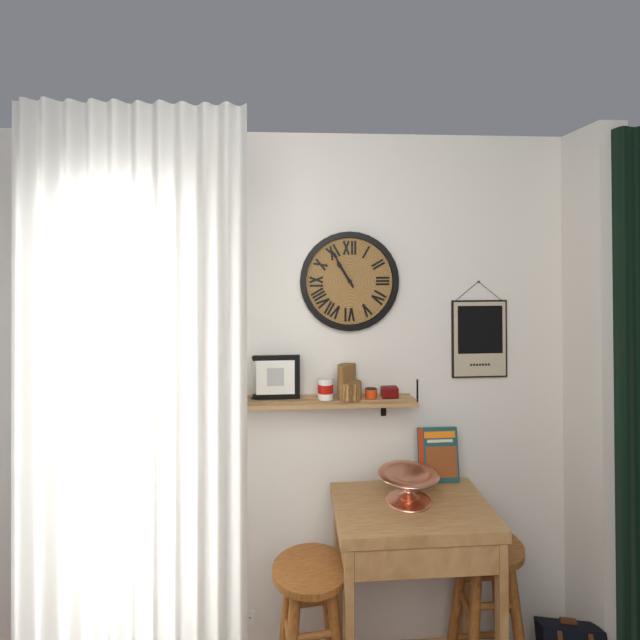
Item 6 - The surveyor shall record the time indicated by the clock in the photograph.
10:55
